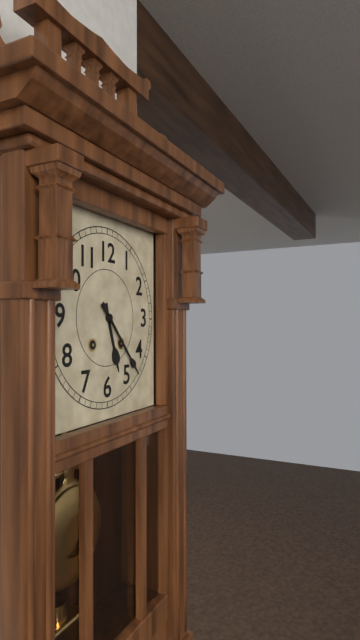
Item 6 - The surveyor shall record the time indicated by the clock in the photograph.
5:23
